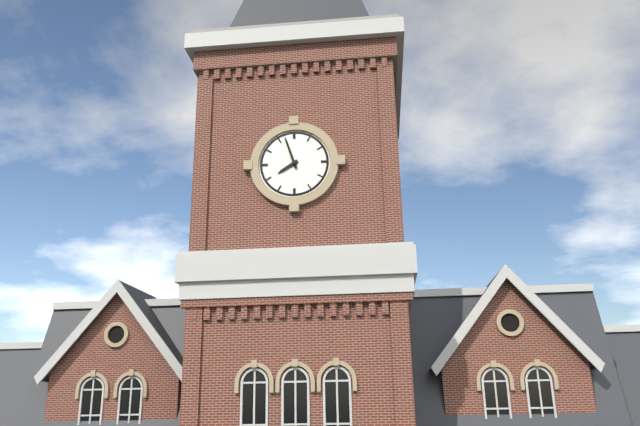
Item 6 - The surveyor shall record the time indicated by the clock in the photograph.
7:57
